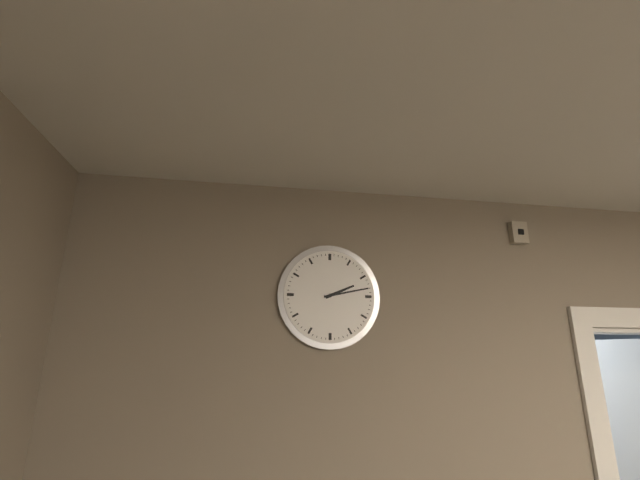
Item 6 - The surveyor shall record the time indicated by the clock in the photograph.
2:13
